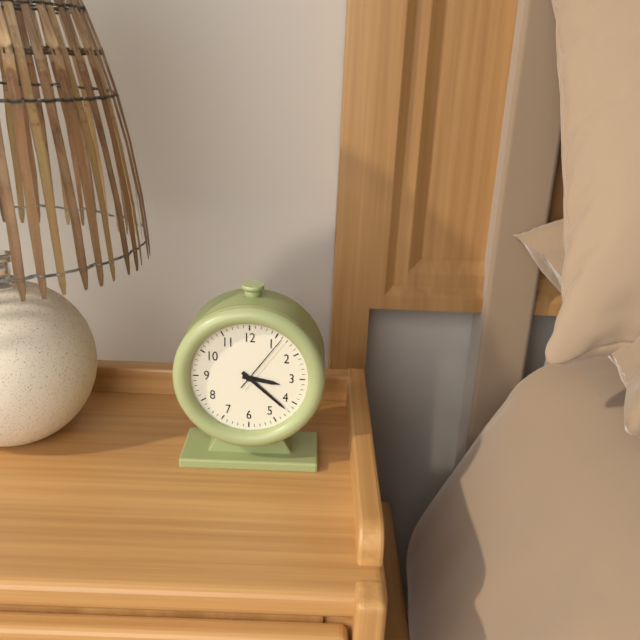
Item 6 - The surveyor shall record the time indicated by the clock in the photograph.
3:22:06
